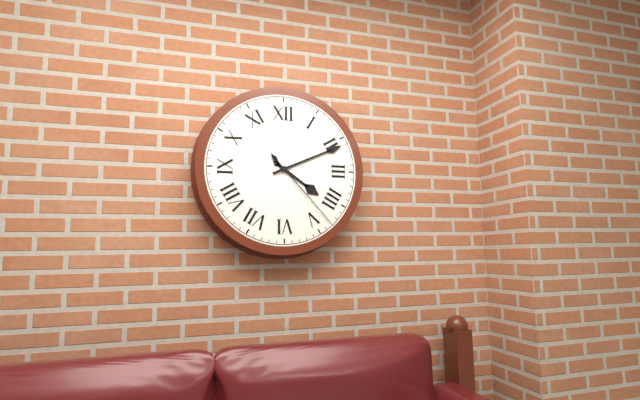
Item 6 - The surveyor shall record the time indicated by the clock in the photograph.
4:11:23
